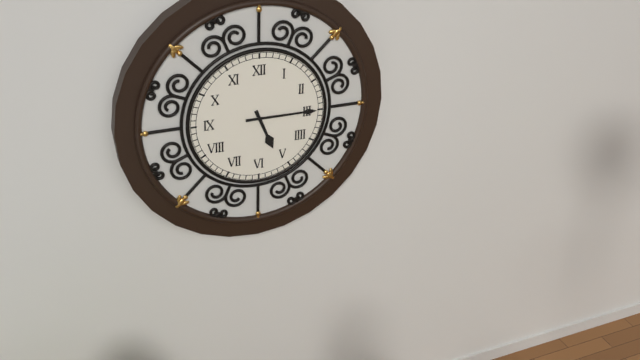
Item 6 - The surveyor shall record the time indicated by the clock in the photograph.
5:15
